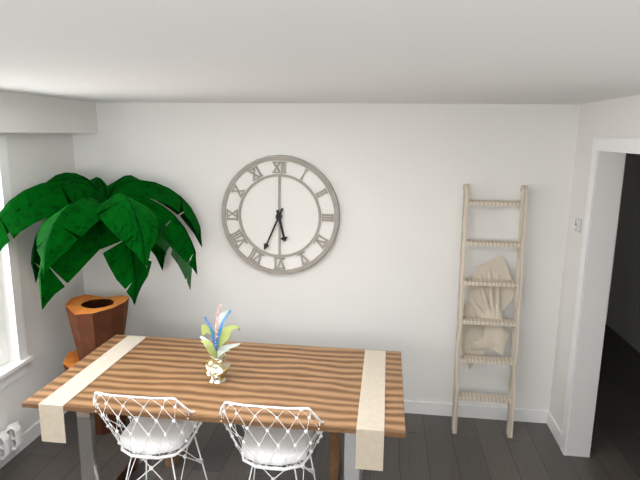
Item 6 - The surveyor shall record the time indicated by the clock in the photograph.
5:34
